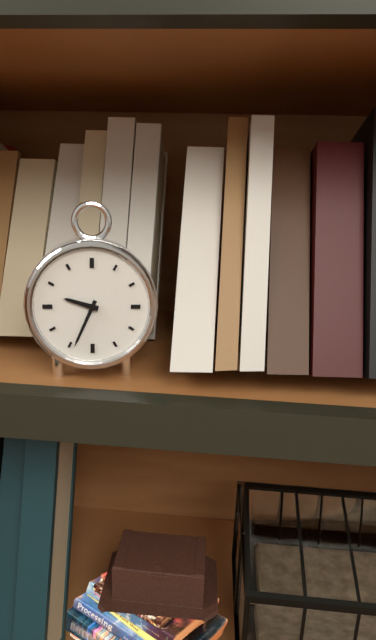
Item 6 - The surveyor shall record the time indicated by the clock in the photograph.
9:34
